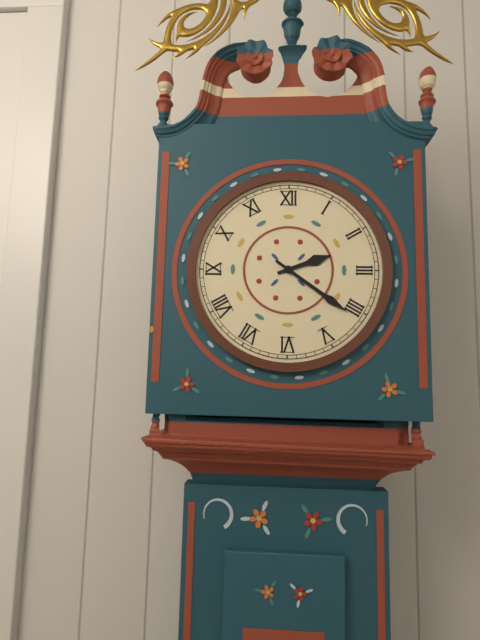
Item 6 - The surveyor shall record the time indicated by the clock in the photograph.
2:21
